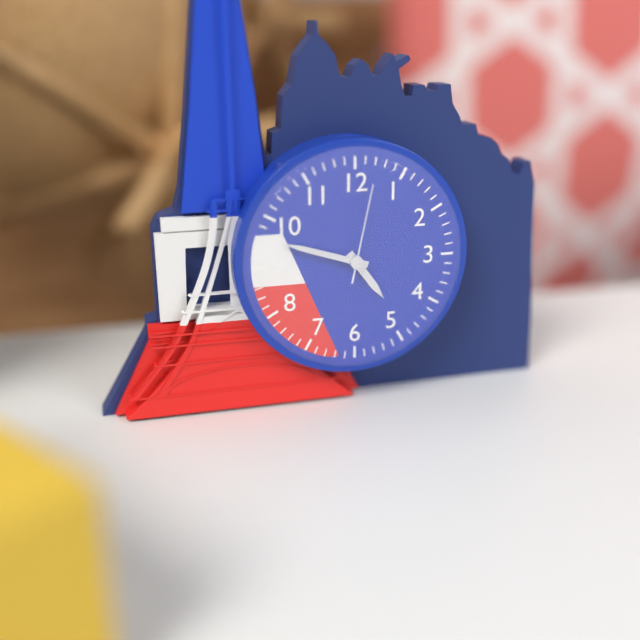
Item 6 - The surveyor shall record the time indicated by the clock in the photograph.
4:48:02
